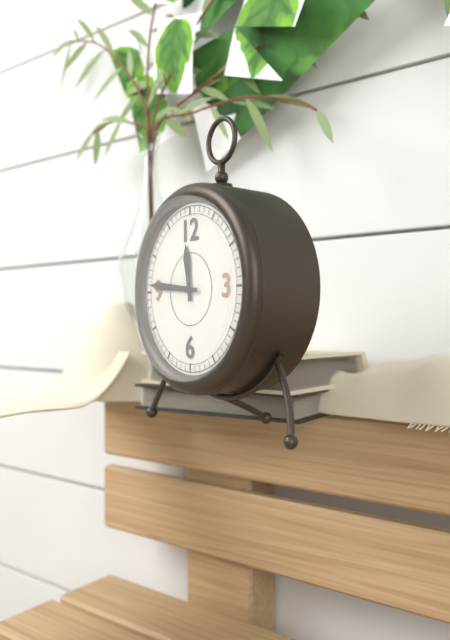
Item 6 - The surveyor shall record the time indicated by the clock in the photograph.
11:46
